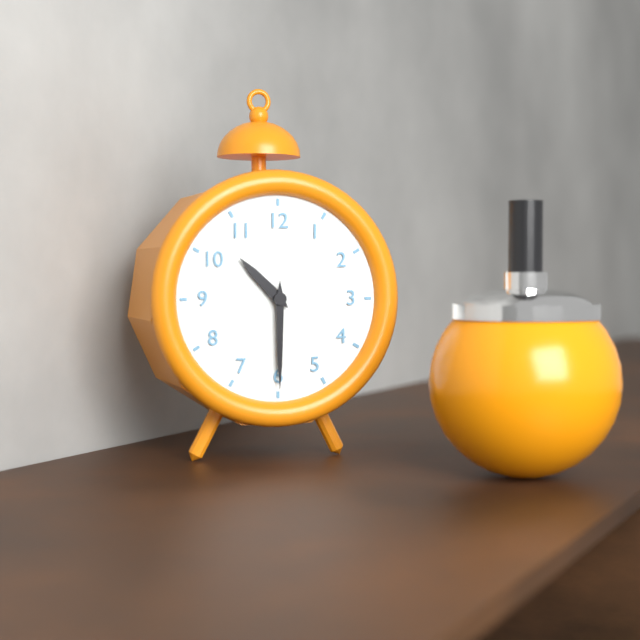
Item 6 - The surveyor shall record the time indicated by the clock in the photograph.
10:30
